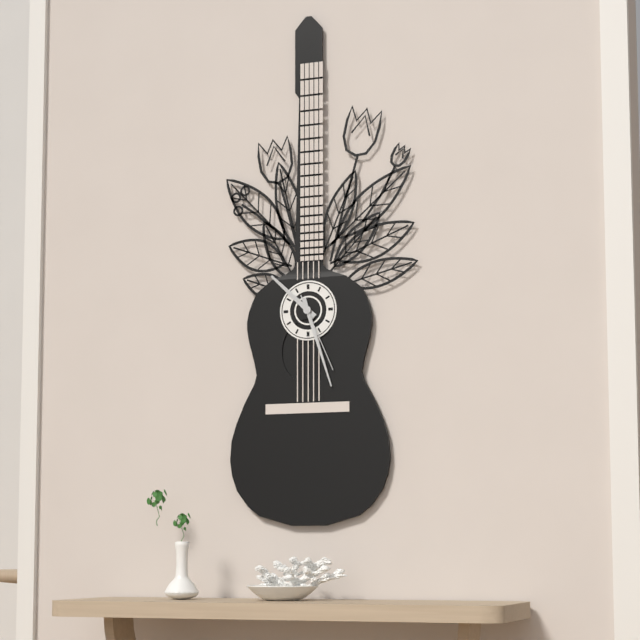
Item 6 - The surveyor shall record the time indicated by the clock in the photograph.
10:27:26
